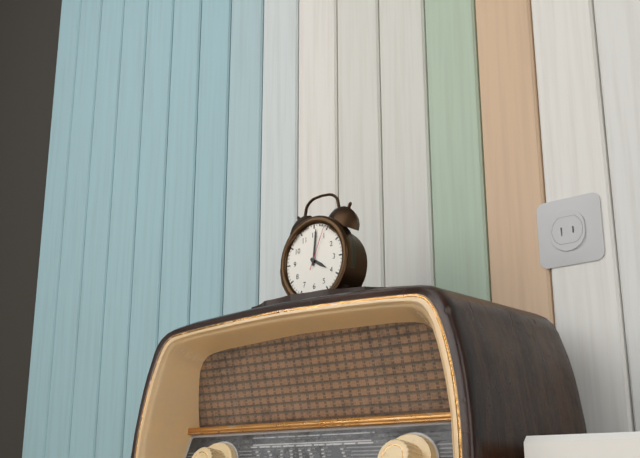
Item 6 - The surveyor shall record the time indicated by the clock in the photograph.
4:01
